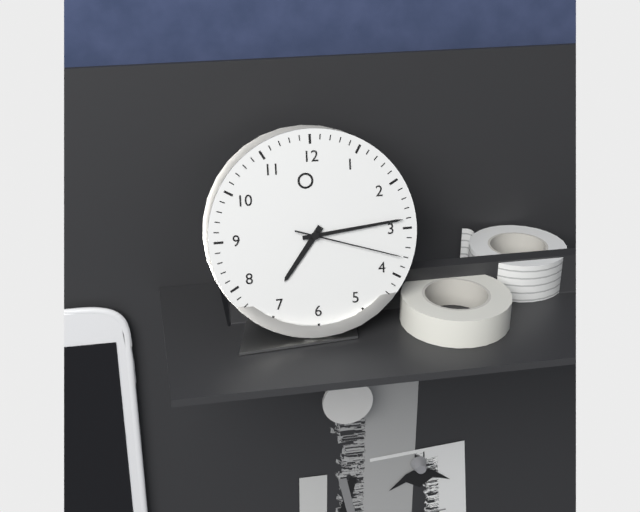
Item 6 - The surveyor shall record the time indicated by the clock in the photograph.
7:14:18
